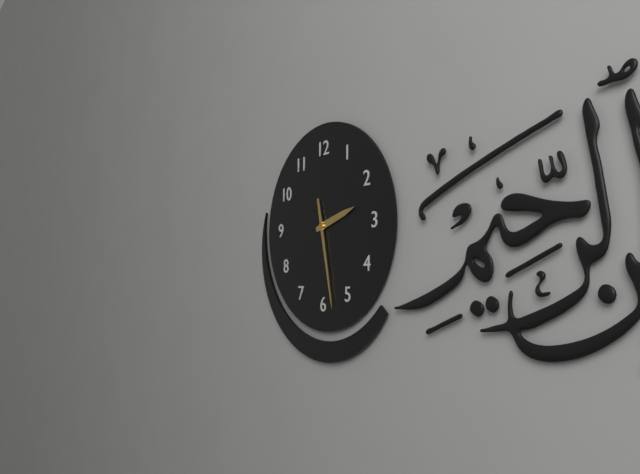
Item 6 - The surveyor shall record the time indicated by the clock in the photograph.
2:28
